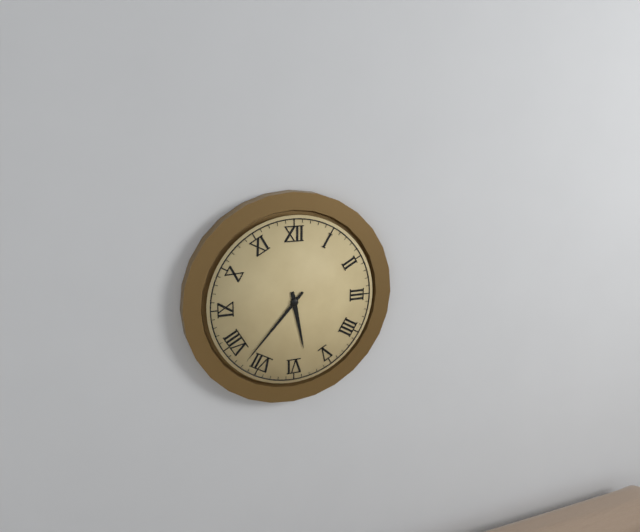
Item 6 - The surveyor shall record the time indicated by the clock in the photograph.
5:37
